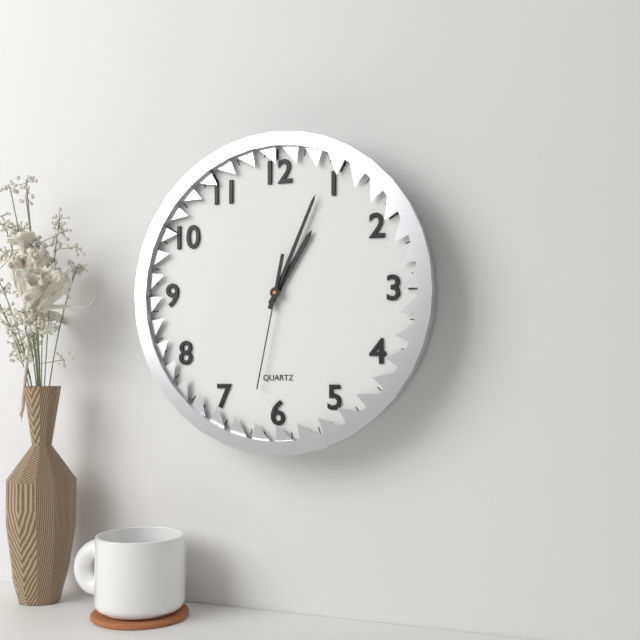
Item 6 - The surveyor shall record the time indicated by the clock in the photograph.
1:04:32
